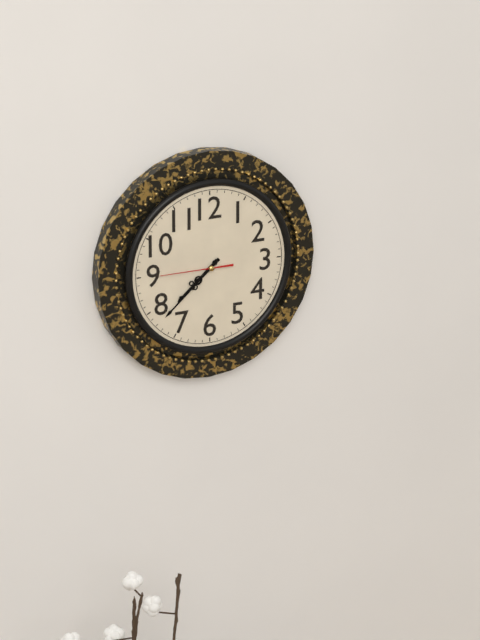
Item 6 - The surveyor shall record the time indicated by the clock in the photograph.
7:38:45
